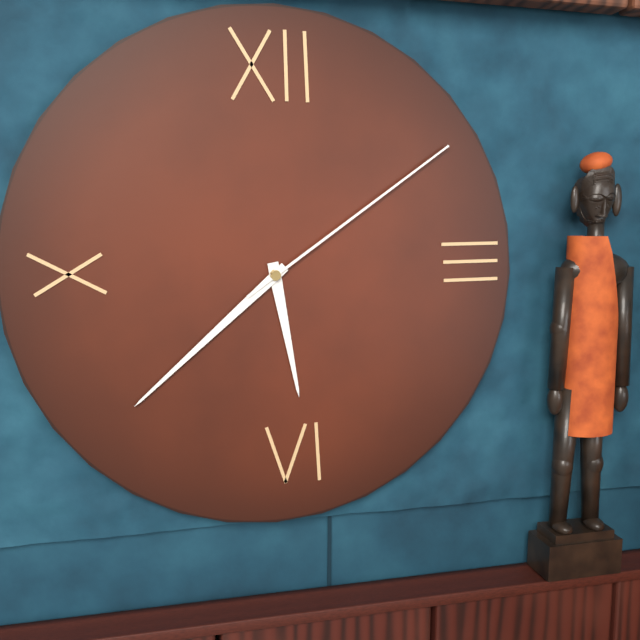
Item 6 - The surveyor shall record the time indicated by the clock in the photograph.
5:38:09
